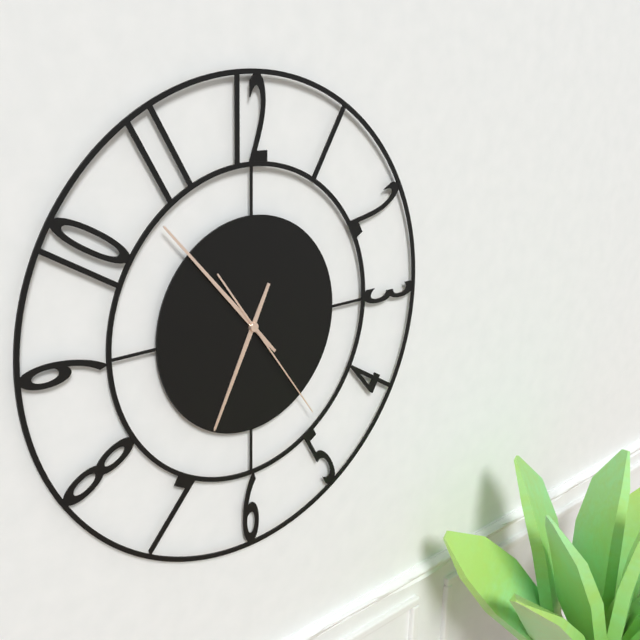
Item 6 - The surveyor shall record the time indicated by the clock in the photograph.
6:53:24
